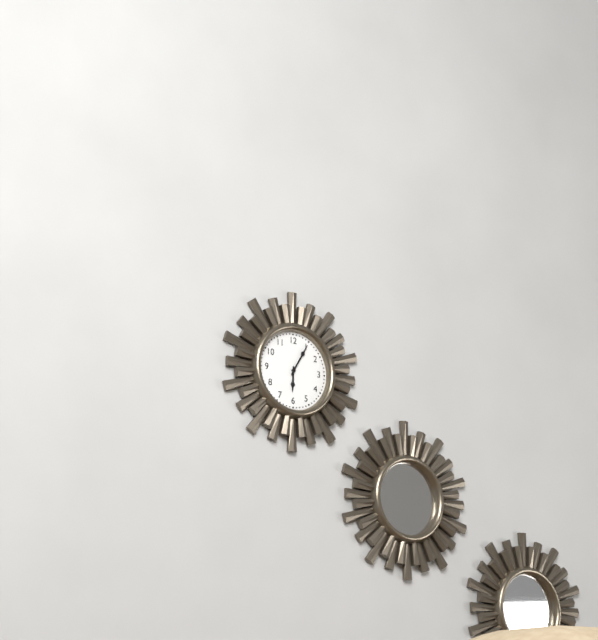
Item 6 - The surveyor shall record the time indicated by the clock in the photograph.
6:05
